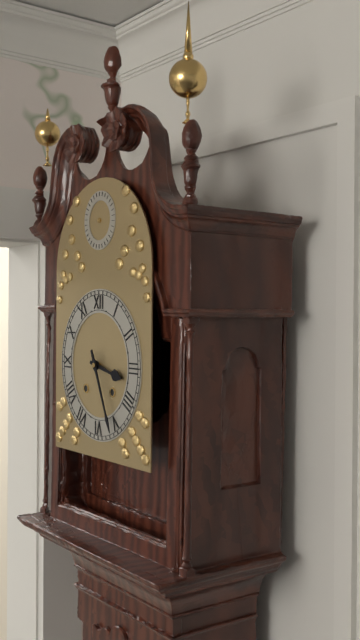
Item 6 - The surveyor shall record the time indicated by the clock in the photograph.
3:26
